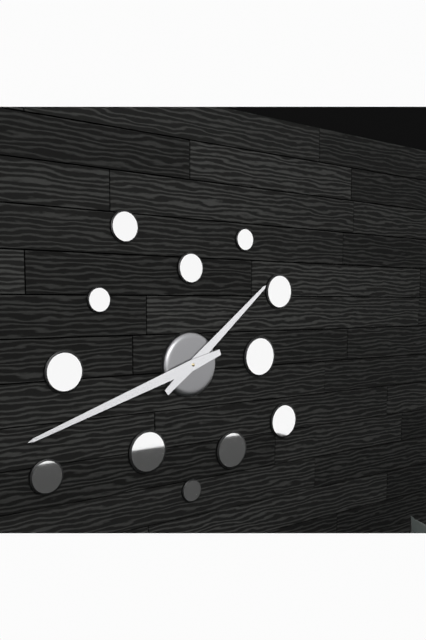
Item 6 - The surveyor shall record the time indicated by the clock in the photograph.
1:42
